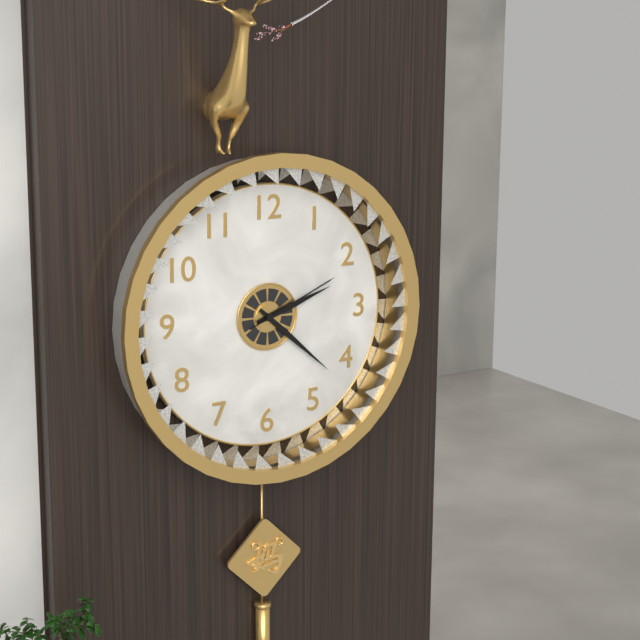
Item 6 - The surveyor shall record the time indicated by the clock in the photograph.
2:22:11
